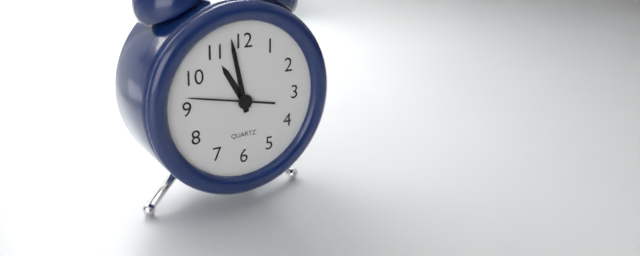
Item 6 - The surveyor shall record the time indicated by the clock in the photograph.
10:58:47
